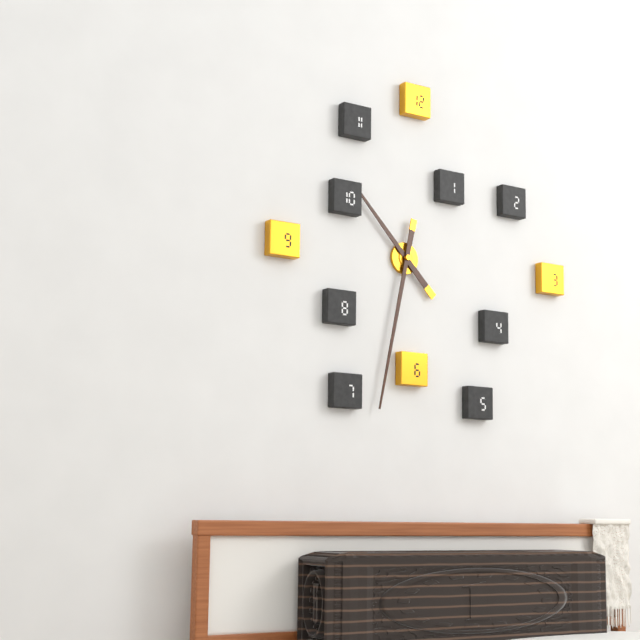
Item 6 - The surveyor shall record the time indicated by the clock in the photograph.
10:32
